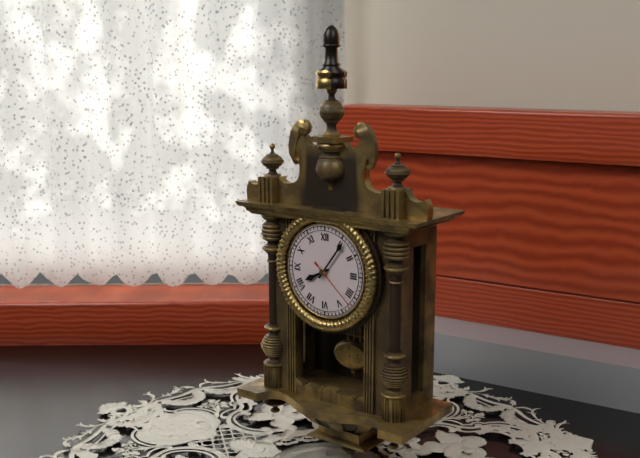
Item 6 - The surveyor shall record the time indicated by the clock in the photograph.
8:06:22
